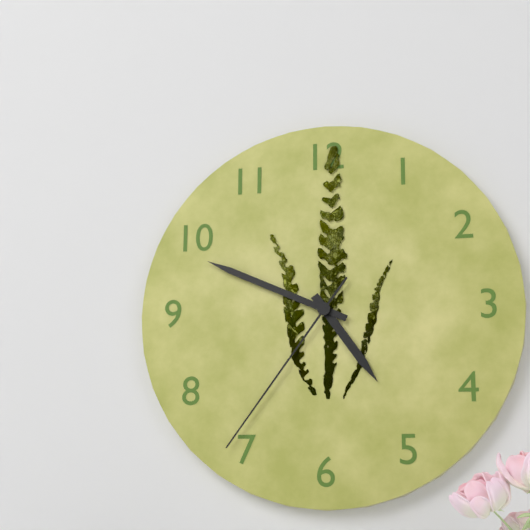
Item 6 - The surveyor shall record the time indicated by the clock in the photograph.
4:49:36
